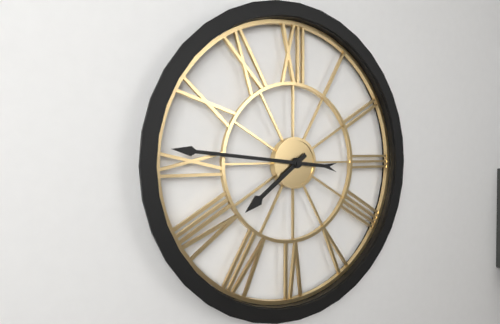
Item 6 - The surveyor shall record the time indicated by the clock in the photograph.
7:46
